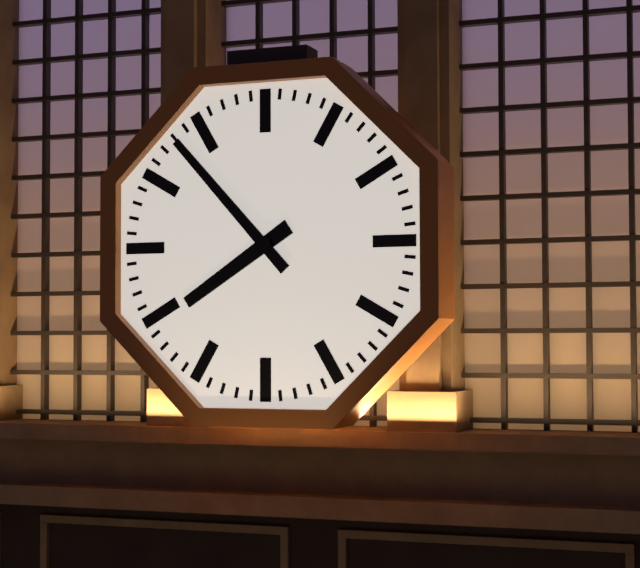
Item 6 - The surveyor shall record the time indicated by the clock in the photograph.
7:53
